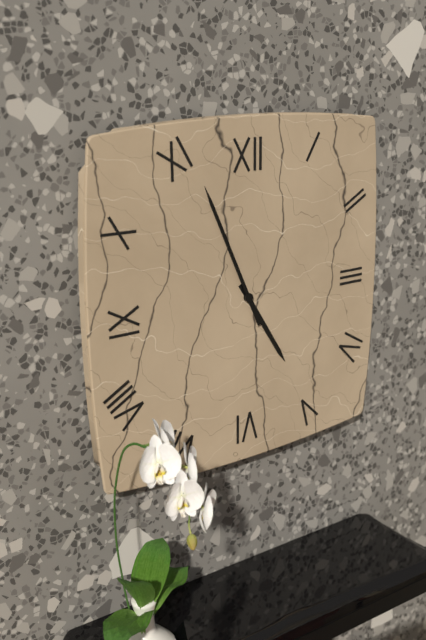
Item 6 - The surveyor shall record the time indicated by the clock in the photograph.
4:56
